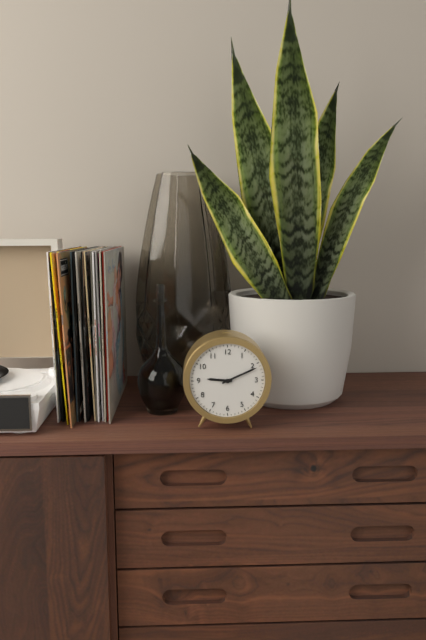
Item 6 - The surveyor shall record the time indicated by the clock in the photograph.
9:11
